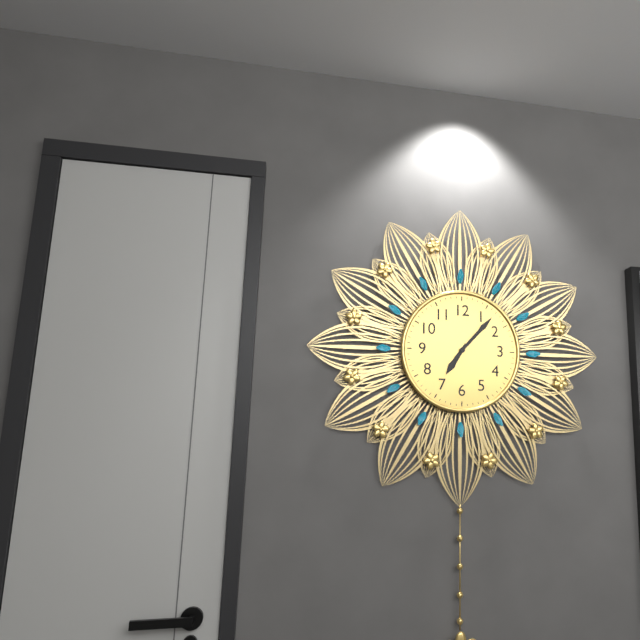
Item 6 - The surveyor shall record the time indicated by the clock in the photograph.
7:07
